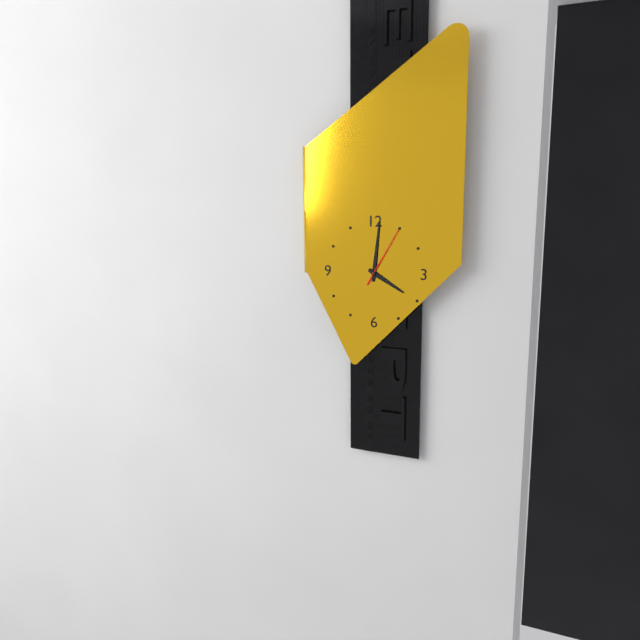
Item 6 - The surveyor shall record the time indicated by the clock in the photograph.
4:01:05
